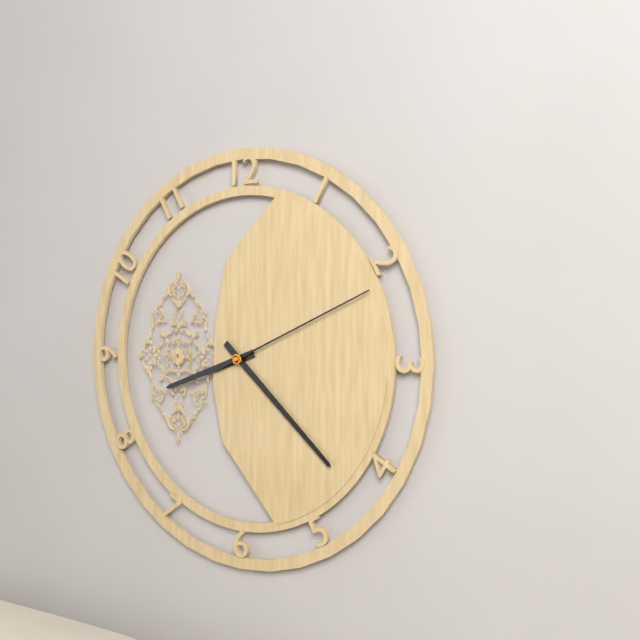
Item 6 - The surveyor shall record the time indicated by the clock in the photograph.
8:22:11
